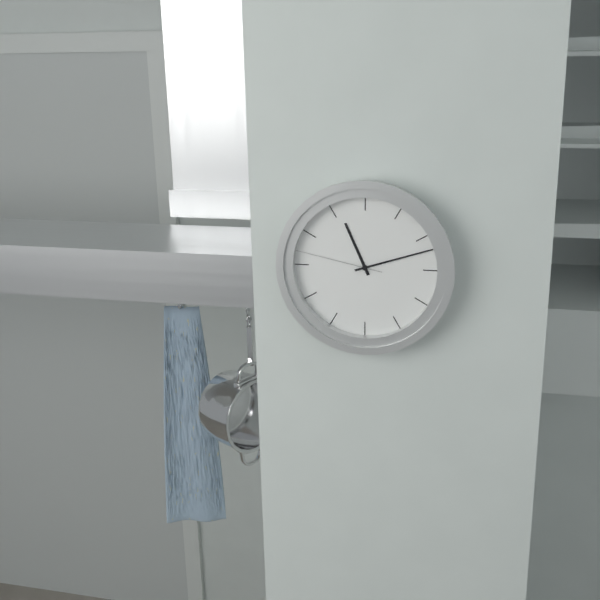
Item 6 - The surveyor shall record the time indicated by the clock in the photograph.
11:12:47
